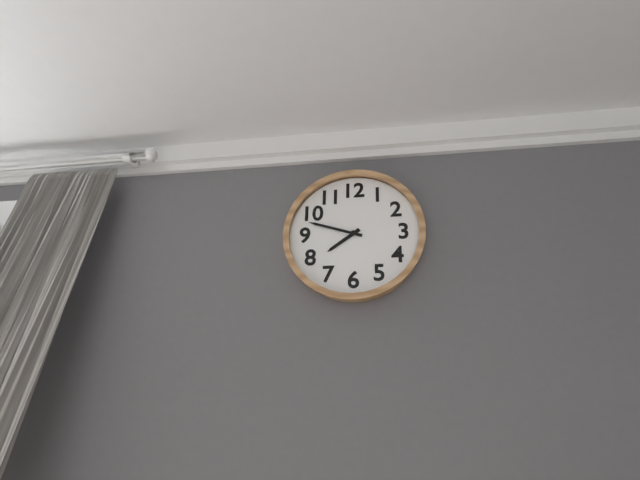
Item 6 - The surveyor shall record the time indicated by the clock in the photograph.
7:48
